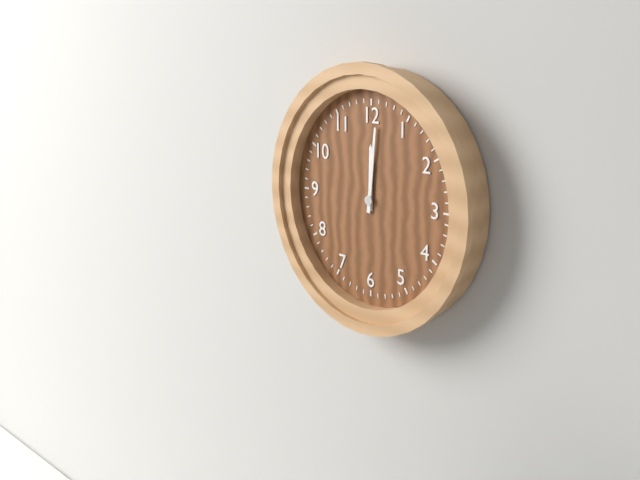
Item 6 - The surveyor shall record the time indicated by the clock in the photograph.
12:01
